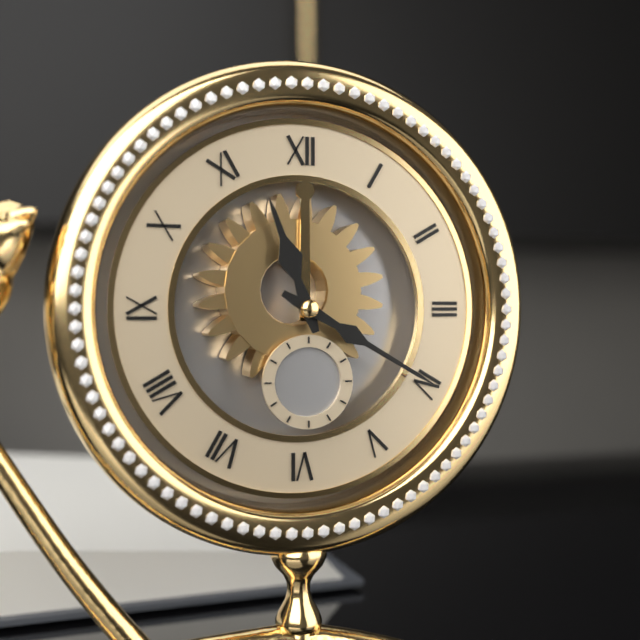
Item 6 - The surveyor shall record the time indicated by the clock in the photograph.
11:20
